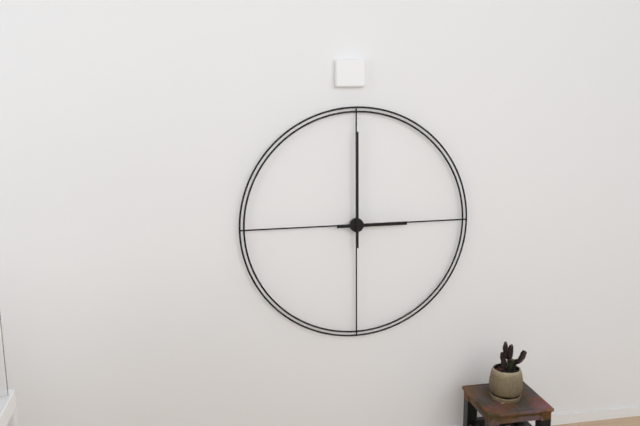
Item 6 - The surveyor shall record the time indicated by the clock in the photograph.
3:00
